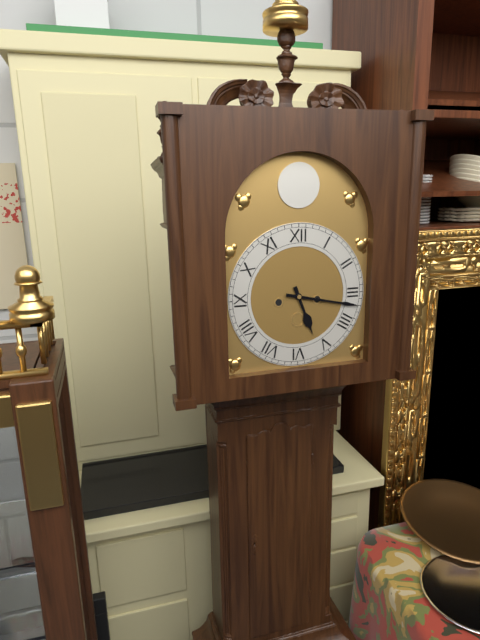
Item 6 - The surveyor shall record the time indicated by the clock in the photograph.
5:17
